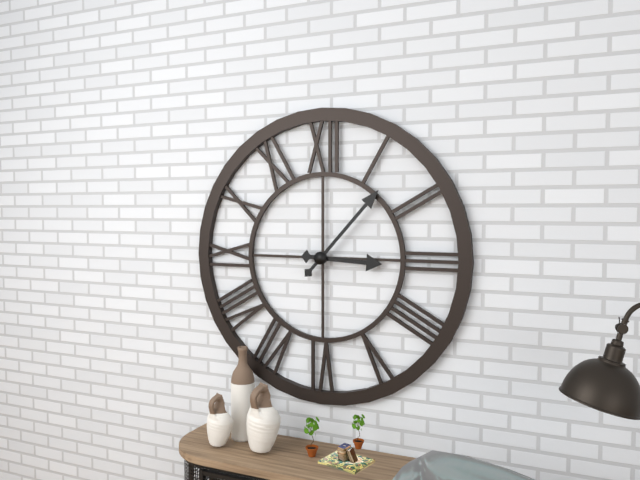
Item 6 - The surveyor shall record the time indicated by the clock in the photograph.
3:07
